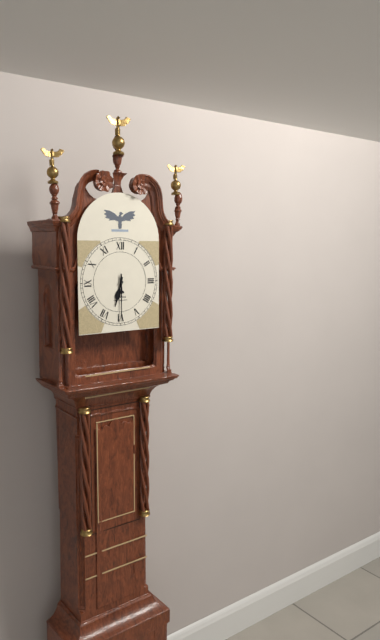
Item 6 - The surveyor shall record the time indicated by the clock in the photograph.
6:30
